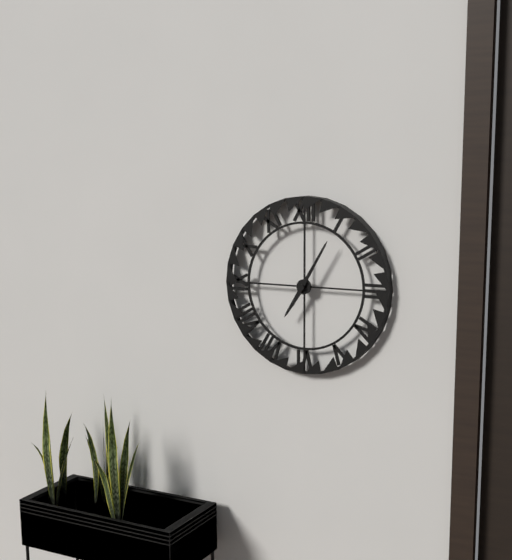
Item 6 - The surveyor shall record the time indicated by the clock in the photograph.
7:05
